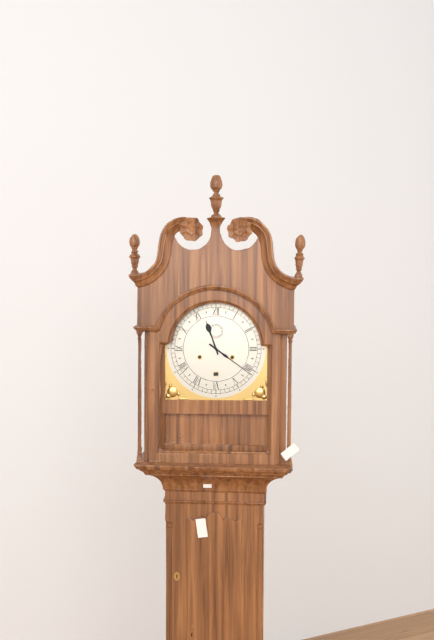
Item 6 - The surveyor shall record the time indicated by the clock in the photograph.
11:21
